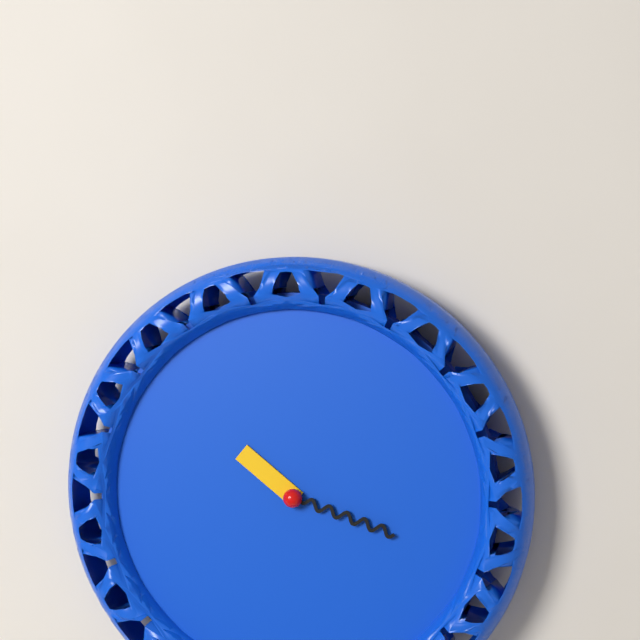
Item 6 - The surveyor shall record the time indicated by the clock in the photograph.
10:18
